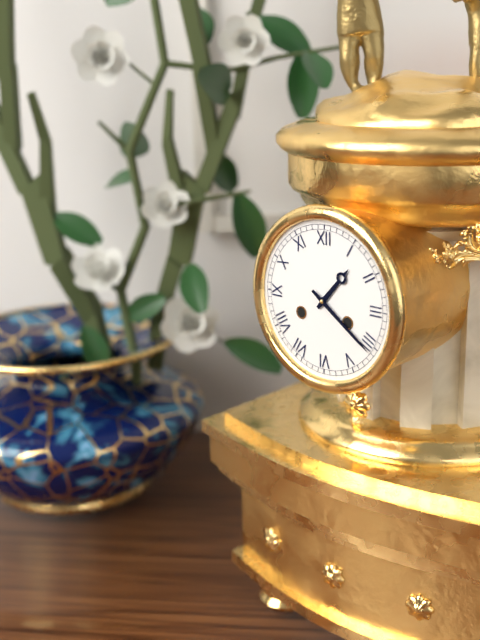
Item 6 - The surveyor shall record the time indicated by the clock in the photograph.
1:21
